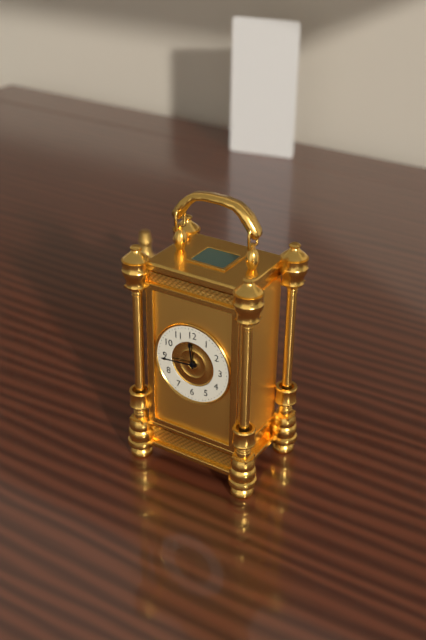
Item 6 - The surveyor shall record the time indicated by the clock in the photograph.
11:44
